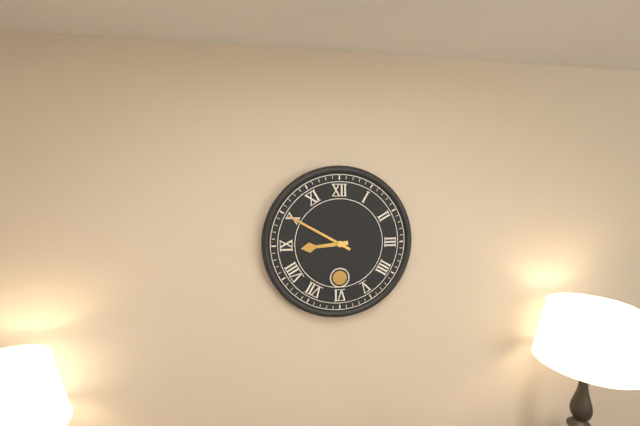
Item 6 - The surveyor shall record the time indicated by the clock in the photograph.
8:50
